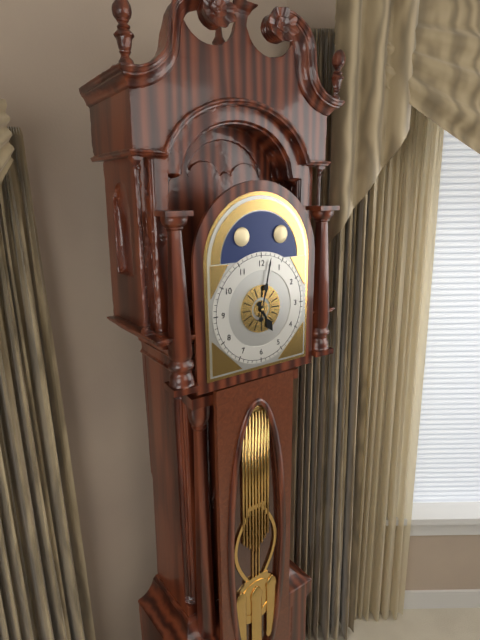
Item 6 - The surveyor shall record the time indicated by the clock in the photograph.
5:02
